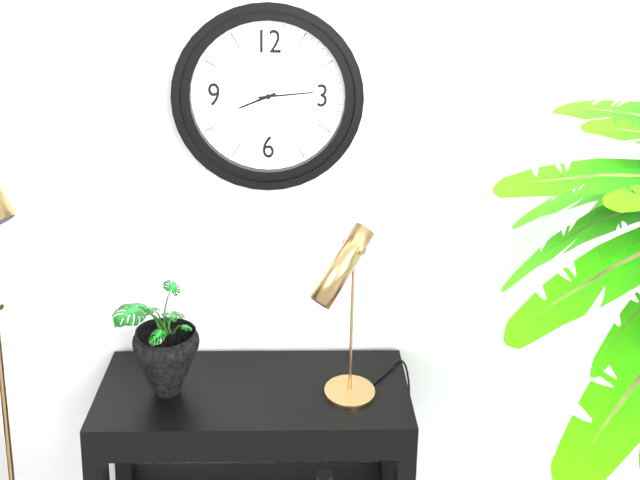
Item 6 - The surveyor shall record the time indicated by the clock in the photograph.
8:14
